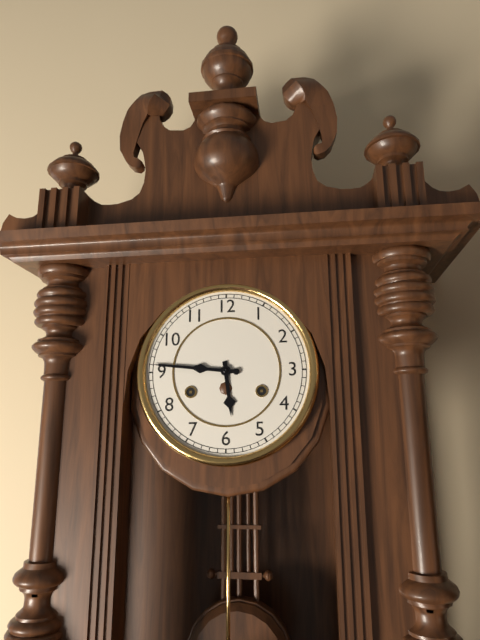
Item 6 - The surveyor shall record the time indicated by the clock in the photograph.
5:46
